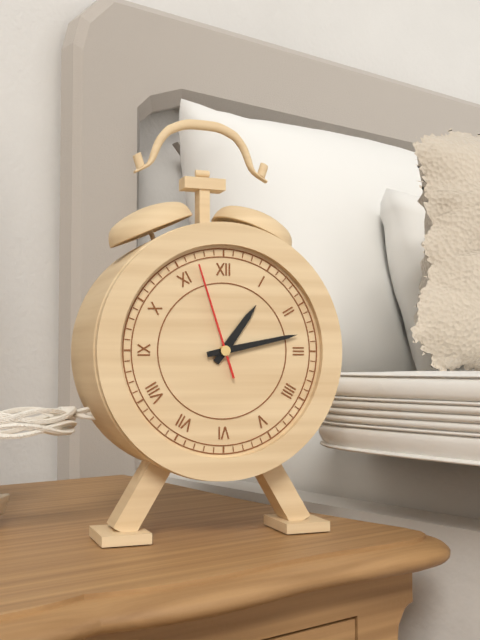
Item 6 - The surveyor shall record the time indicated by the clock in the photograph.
1:13:57
